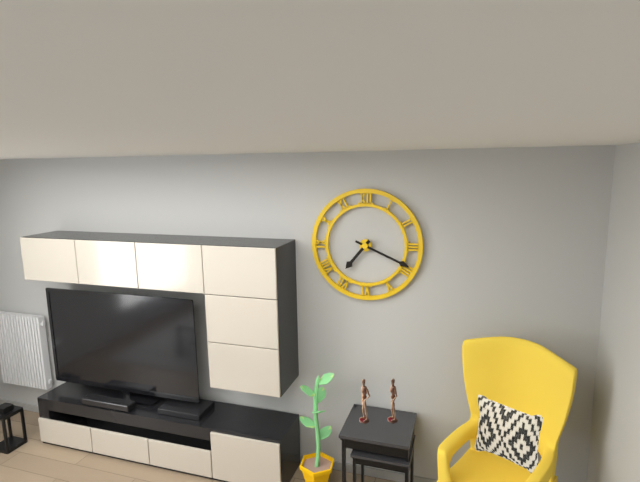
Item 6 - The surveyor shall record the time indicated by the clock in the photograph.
7:19
